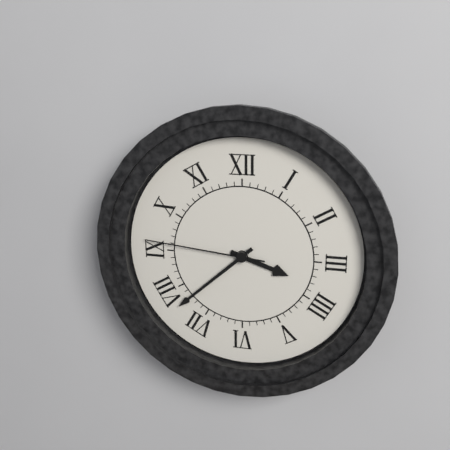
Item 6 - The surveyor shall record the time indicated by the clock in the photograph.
3:38:46
